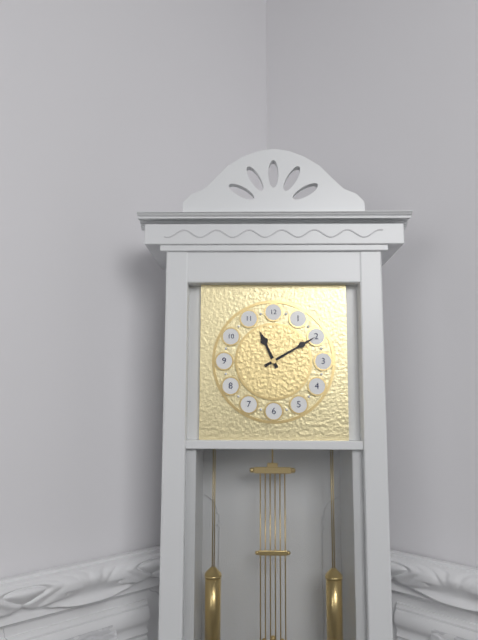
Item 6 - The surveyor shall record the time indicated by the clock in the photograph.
11:10
